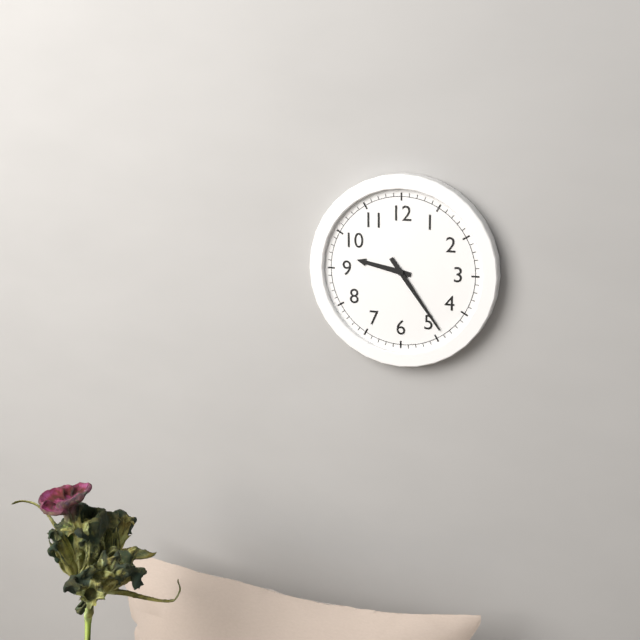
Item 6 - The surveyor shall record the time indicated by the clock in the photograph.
9:24
